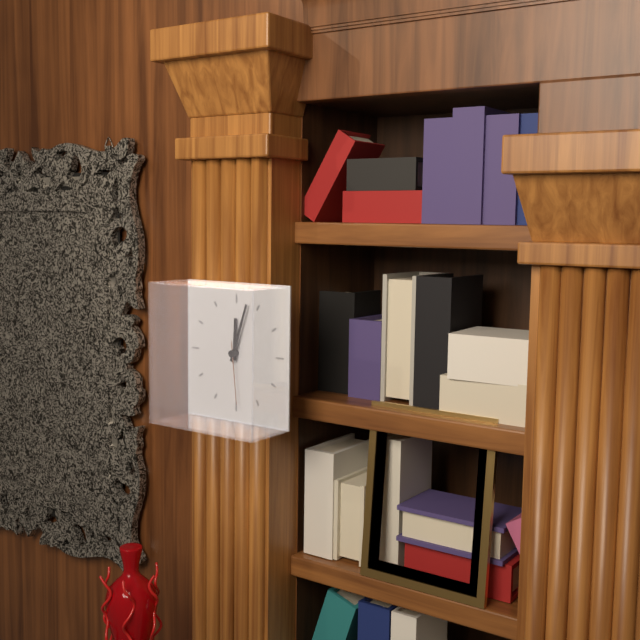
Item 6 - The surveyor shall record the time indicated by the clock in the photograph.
12:03:29
